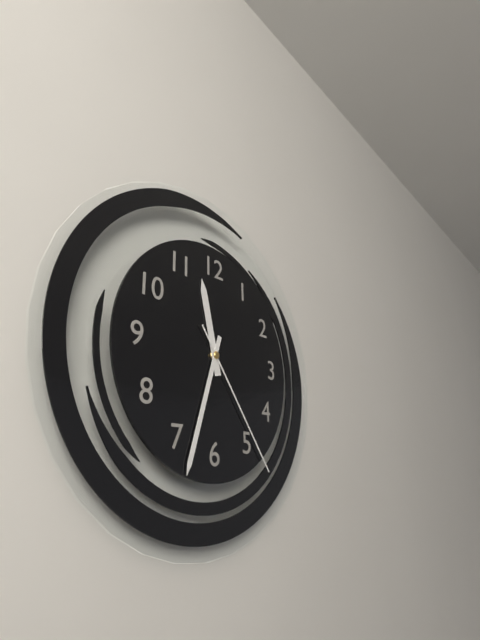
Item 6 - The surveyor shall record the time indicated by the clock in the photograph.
11:33:24
